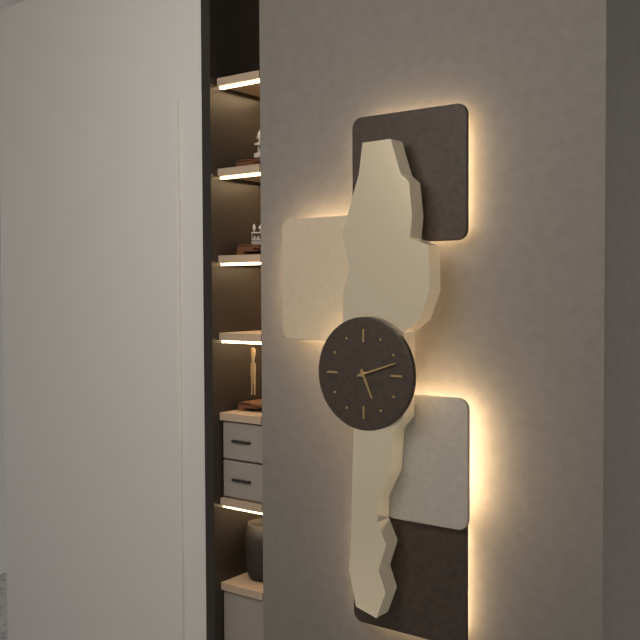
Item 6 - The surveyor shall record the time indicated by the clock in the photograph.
5:12
